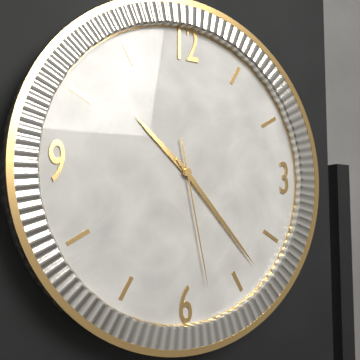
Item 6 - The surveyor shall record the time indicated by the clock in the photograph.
10:23:28
